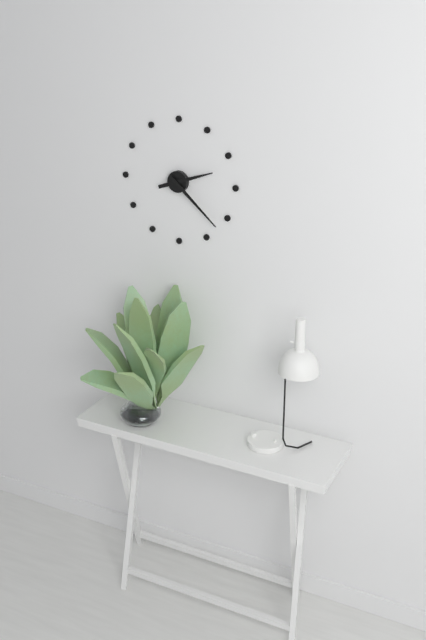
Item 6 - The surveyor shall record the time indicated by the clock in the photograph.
2:22
